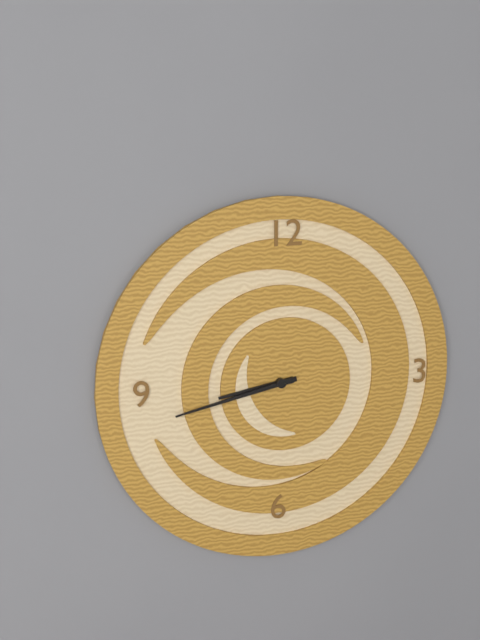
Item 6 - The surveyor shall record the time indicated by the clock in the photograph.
8:43
